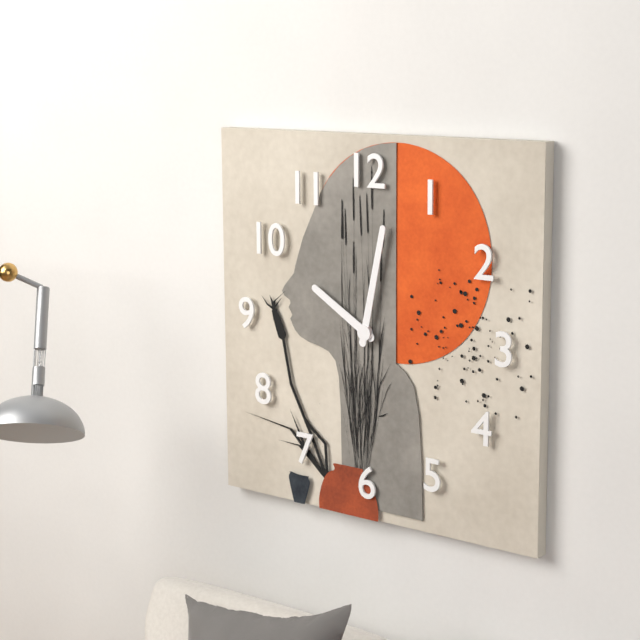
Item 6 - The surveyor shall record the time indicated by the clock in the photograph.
10:02
